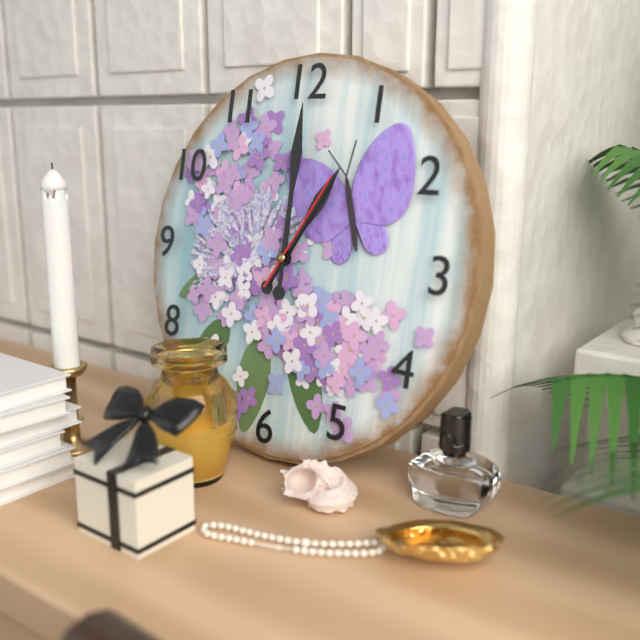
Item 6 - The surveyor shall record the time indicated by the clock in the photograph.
1:00:05
